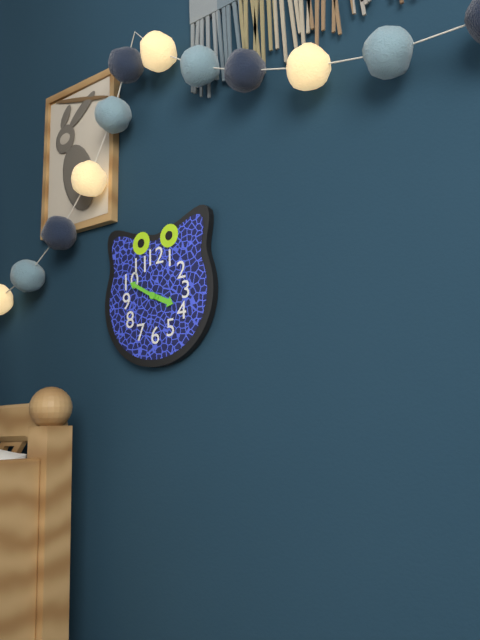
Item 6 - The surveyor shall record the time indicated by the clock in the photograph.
3:50
